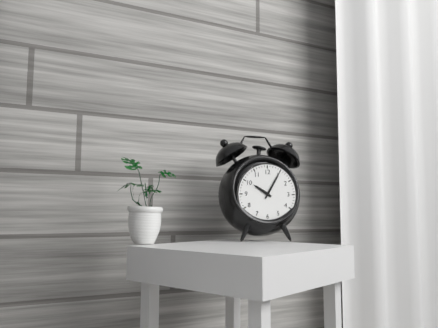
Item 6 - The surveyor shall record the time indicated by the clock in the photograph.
10:05
